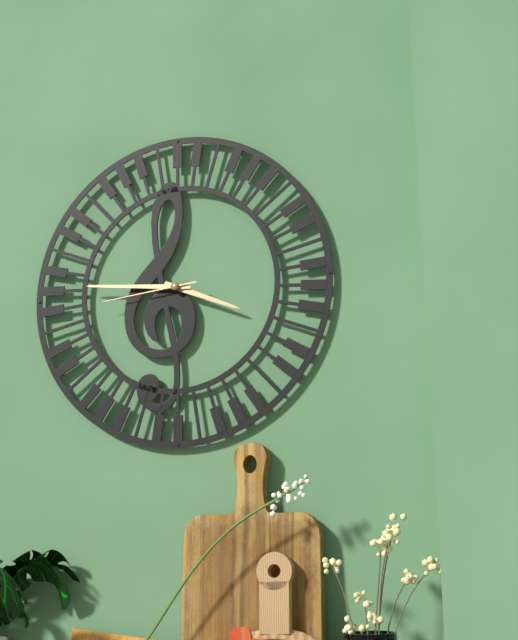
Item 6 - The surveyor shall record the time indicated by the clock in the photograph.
3:46:44
